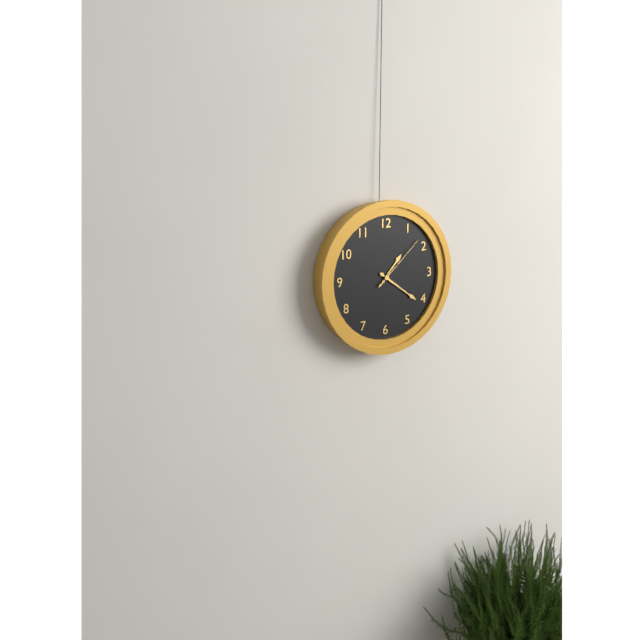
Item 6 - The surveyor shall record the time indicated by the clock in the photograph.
1:21:08
